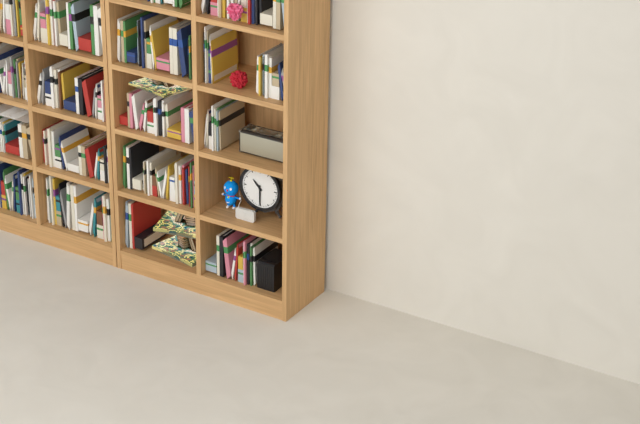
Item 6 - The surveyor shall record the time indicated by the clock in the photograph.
10:30
